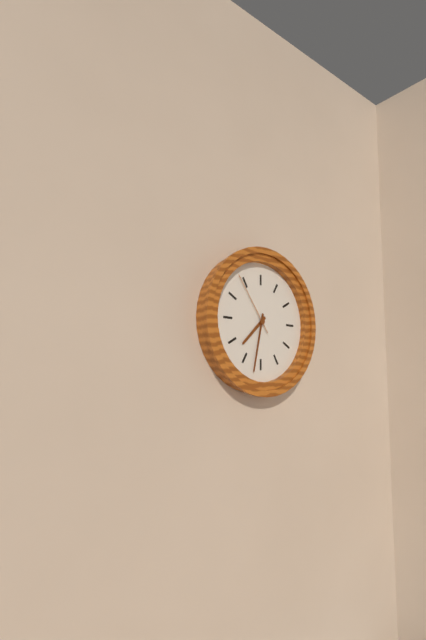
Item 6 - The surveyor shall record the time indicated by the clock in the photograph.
7:32:54
